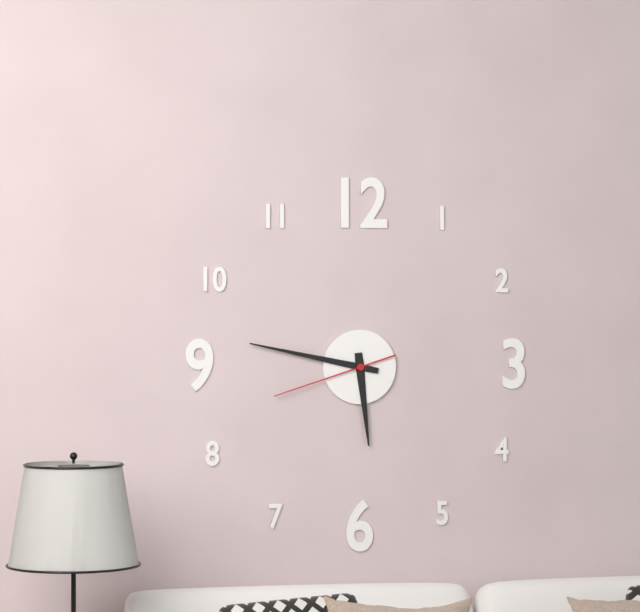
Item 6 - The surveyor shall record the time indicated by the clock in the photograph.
5:47:42
